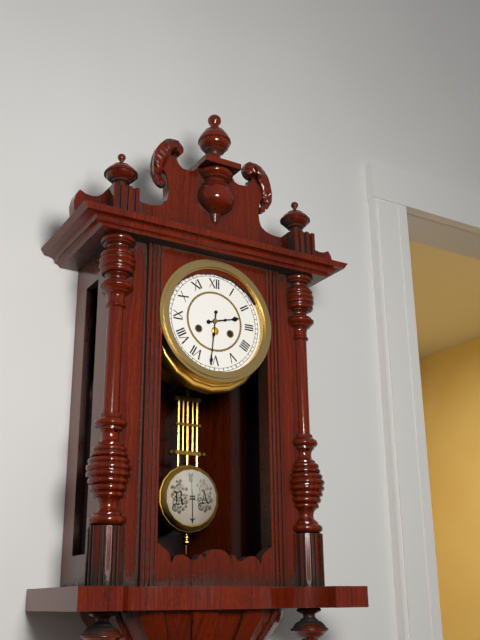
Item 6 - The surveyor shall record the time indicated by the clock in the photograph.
2:31
